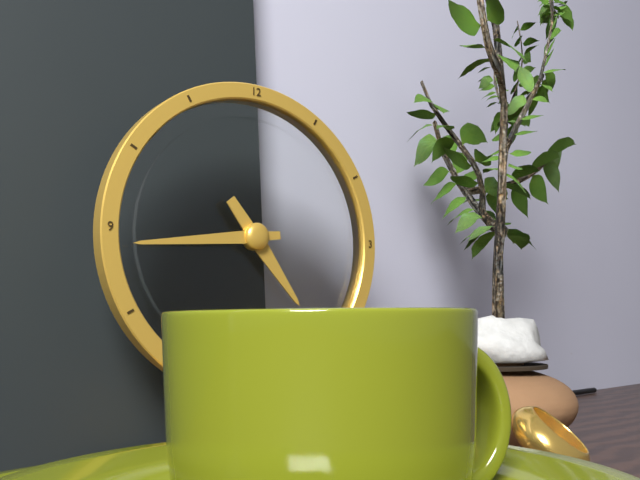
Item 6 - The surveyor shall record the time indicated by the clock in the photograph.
4:44
